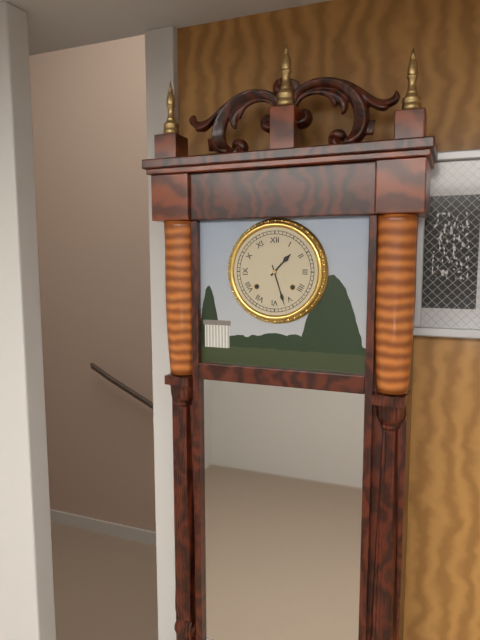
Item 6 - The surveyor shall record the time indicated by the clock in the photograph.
1:27
